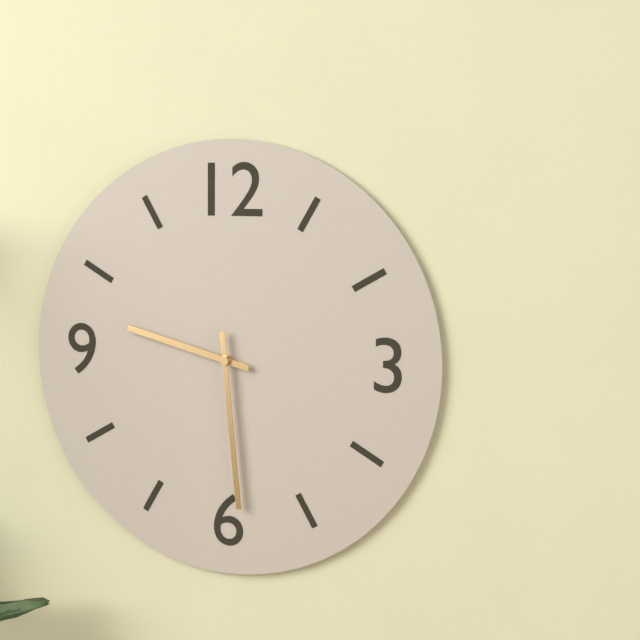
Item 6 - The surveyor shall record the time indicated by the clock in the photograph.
9:29
